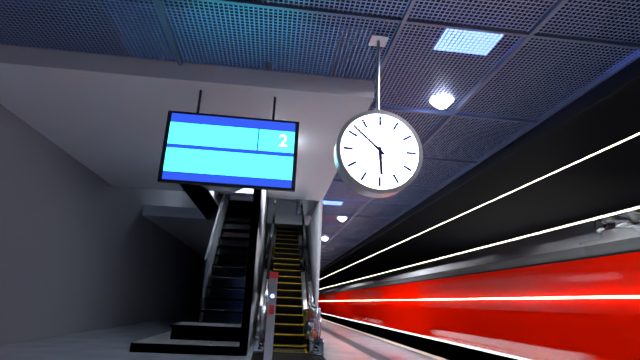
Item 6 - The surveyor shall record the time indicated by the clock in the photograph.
5:52
